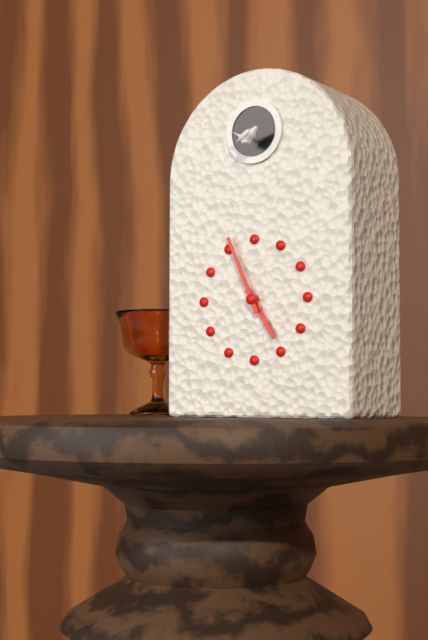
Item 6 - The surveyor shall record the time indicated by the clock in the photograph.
4:56
